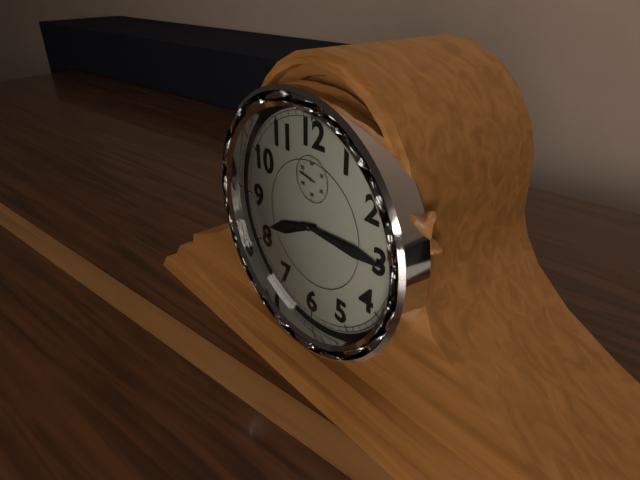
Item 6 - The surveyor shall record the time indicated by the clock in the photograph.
8:15
